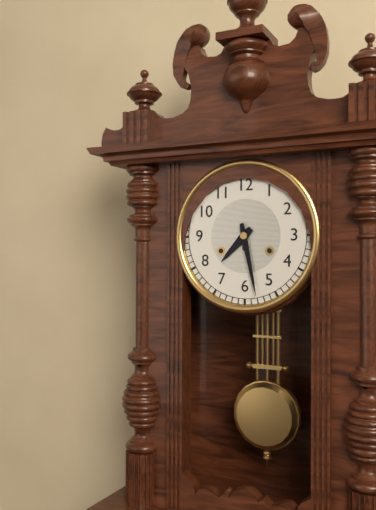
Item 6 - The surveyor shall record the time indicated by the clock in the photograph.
7:28
